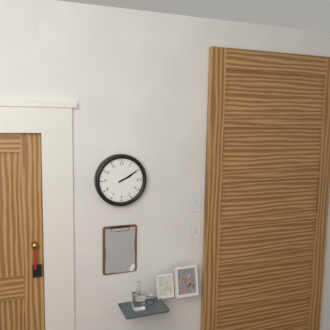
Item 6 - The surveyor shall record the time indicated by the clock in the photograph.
2:10
